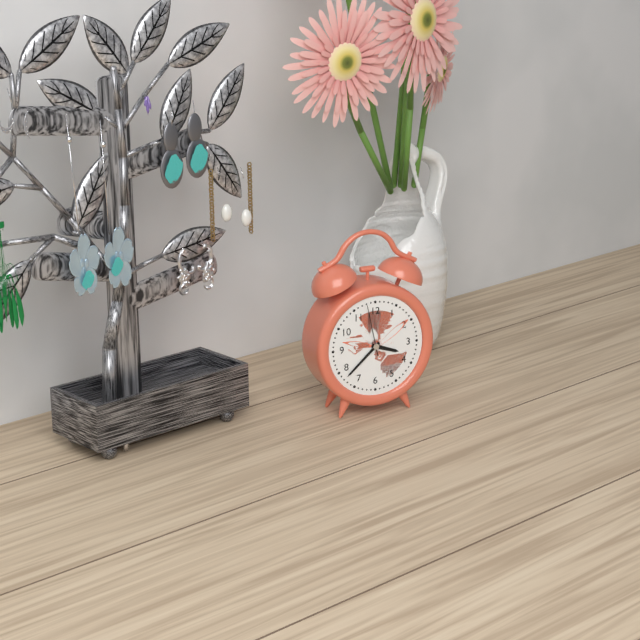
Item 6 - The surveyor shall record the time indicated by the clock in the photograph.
3:38:58
